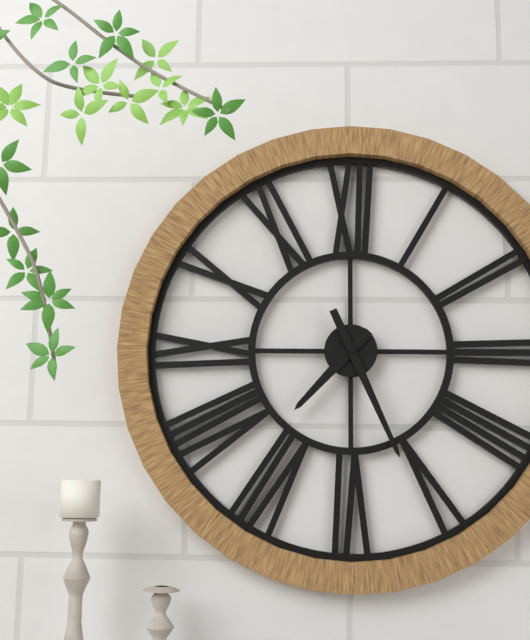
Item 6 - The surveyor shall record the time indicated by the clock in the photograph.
7:26
